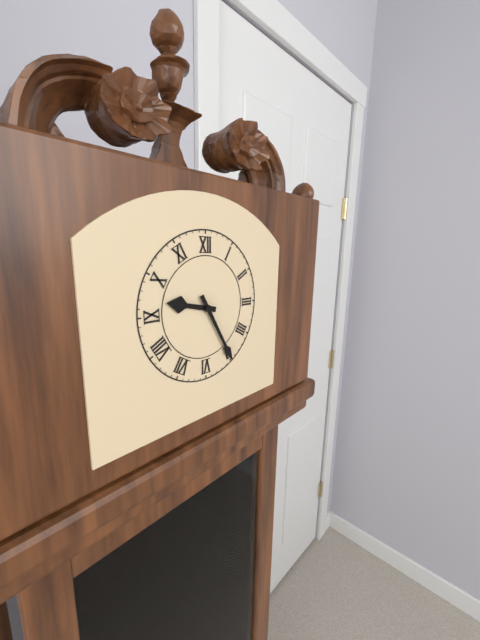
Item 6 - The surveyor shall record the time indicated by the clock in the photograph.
9:25
